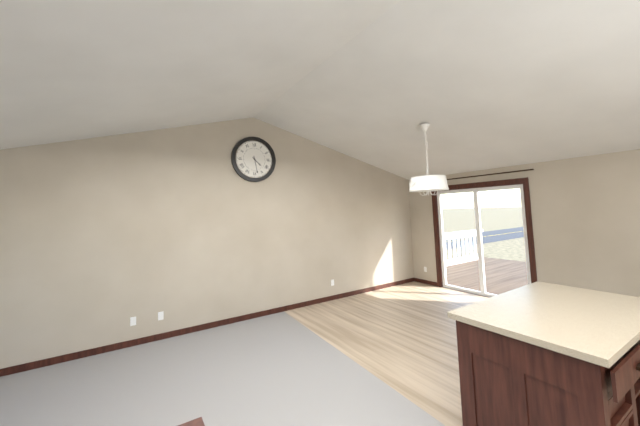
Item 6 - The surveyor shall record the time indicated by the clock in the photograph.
4:28
